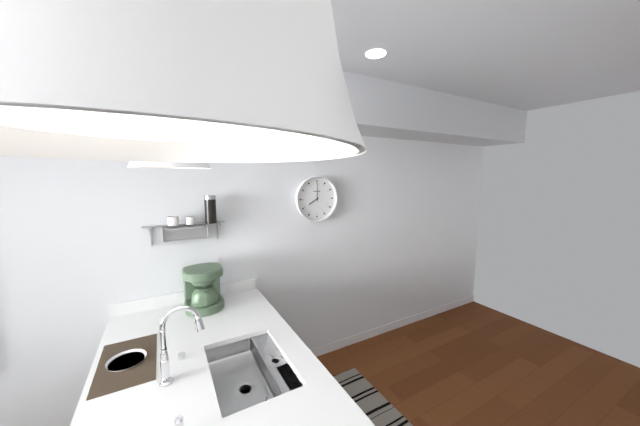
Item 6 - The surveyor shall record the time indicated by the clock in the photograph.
8:00
